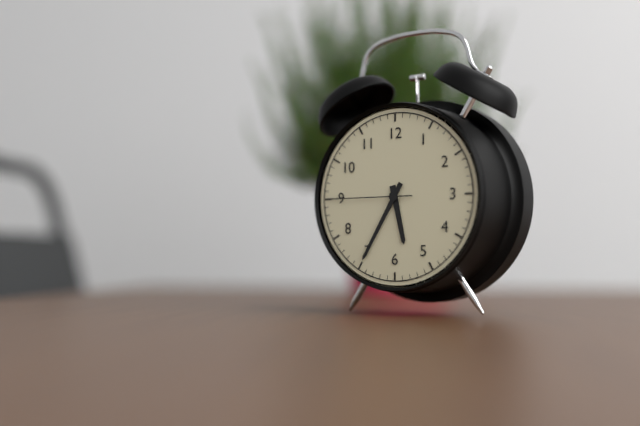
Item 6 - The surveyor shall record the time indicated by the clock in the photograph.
5:35:45
